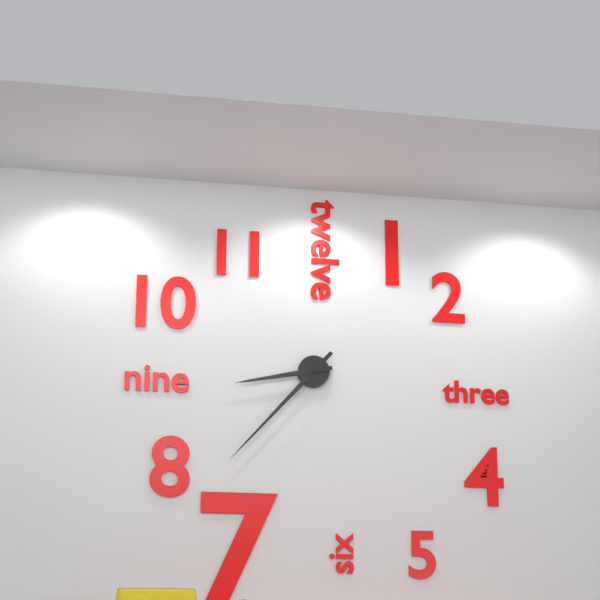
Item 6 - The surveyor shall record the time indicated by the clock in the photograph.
8:37
